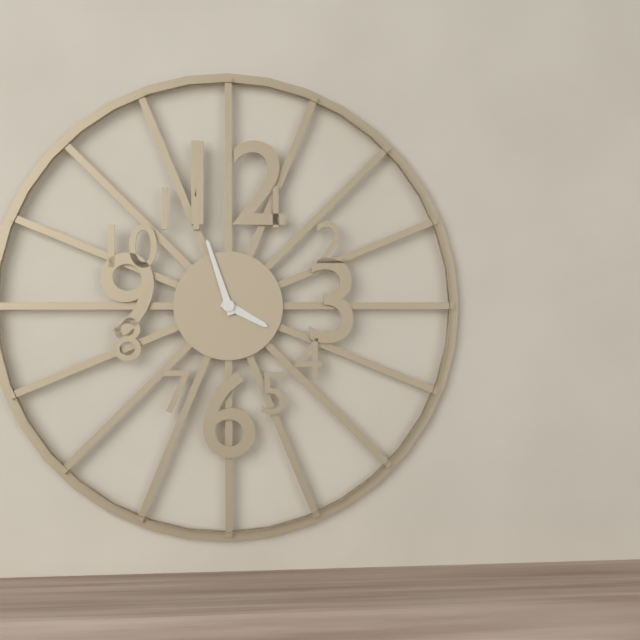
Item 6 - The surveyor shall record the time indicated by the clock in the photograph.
3:57
